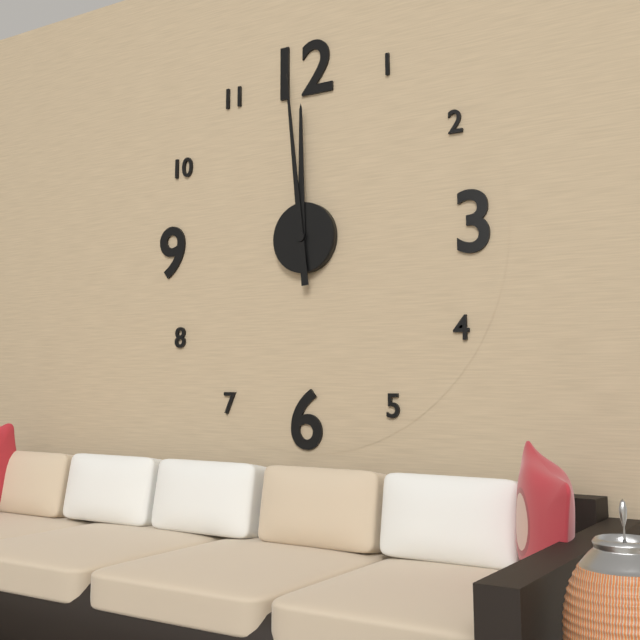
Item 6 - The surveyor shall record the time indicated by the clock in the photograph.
11:59
